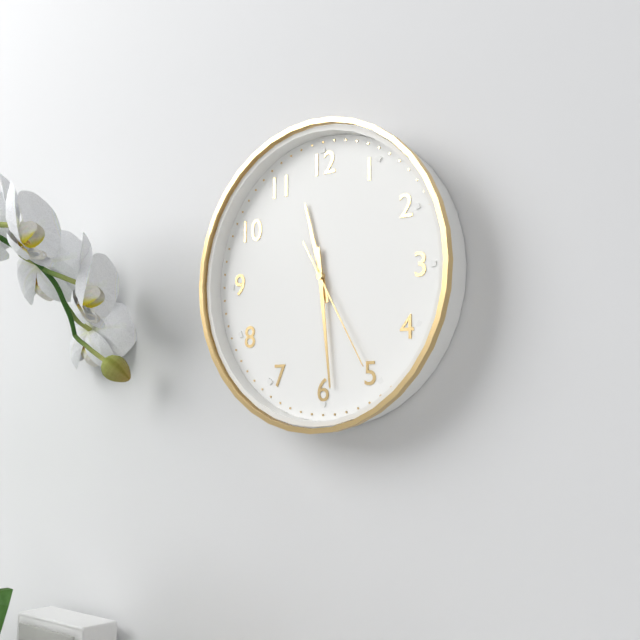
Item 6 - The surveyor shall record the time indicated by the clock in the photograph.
11:29:25
